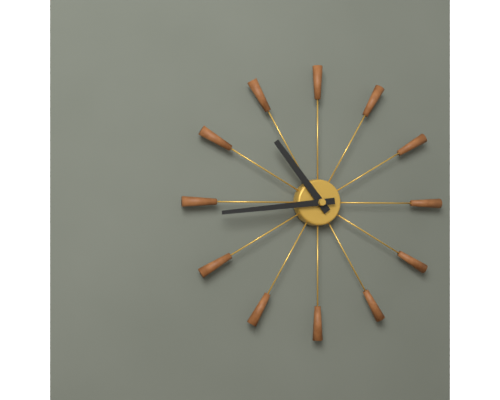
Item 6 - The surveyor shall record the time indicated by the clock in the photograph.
10:44
